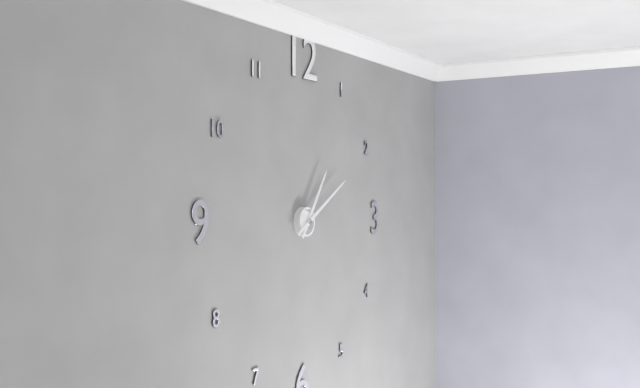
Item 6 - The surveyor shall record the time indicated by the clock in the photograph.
1:10
